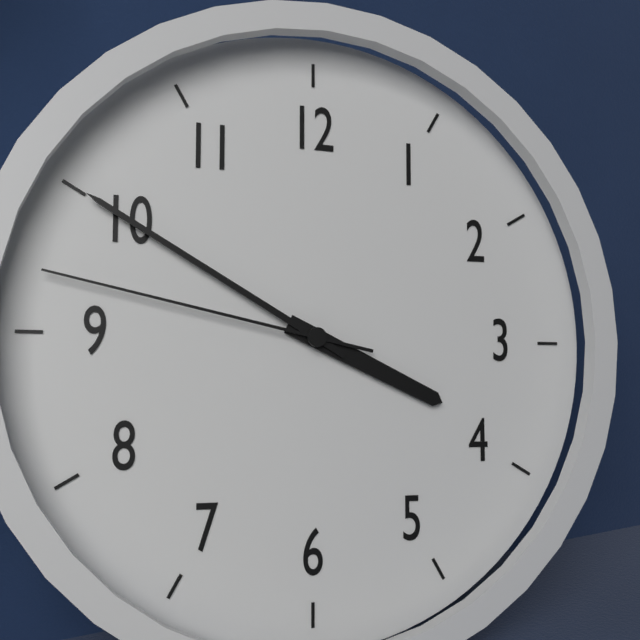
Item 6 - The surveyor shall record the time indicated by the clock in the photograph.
3:50:47
